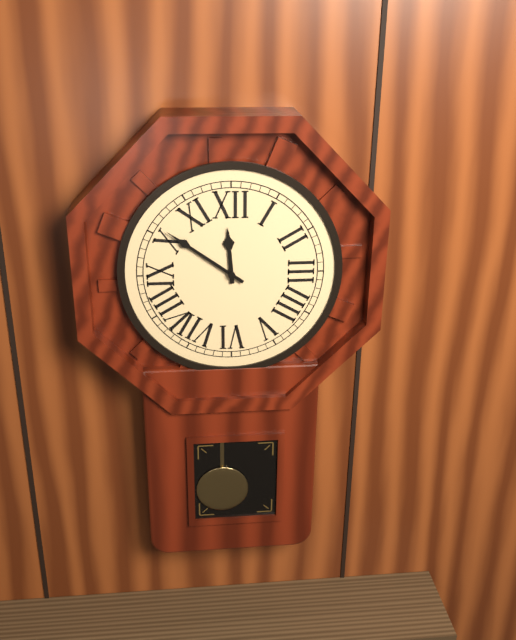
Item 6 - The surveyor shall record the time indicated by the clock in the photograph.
11:51
